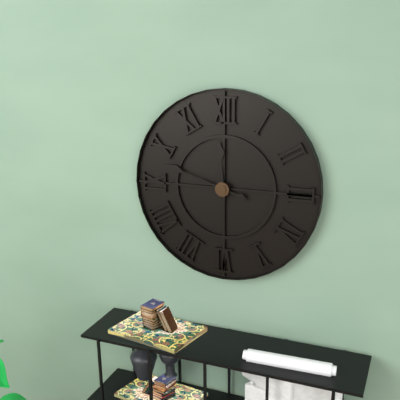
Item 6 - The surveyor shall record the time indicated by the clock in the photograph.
11:48
